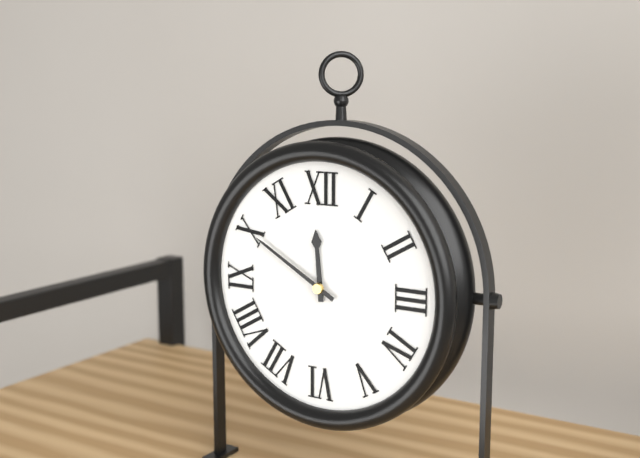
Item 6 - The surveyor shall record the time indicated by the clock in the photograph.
11:50
